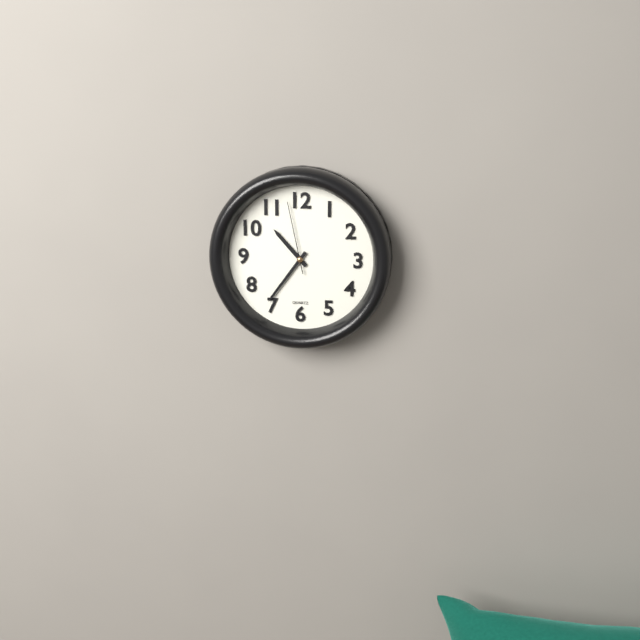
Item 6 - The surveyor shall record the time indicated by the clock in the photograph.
10:36:58
